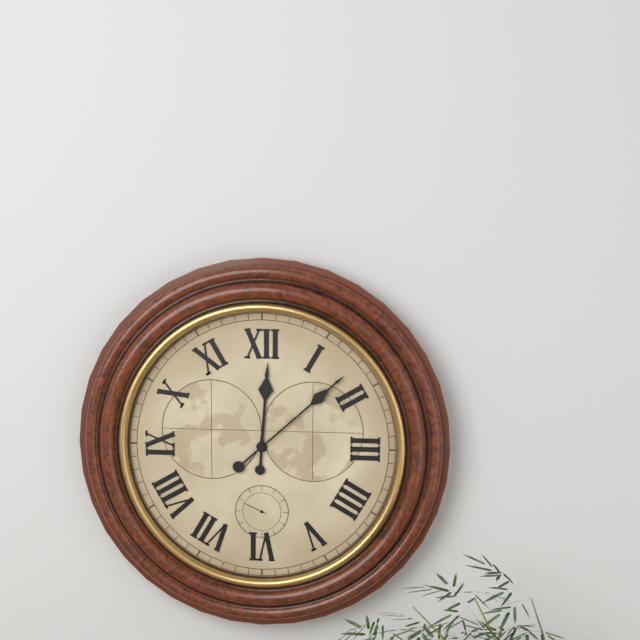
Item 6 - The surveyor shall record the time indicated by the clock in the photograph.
12:08
